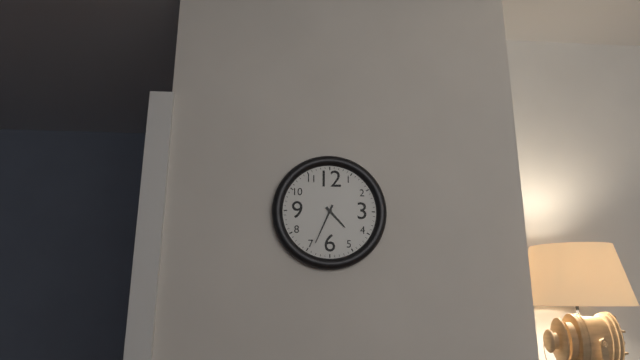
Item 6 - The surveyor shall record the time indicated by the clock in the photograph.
4:34
